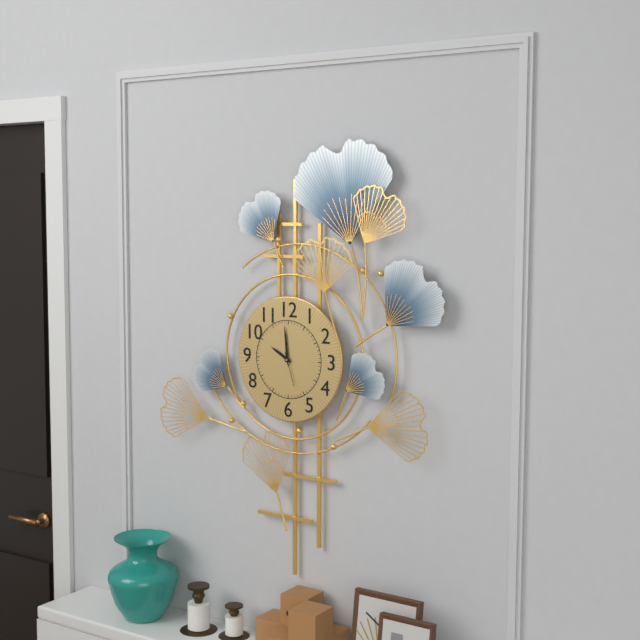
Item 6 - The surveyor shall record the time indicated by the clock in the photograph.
9:59
